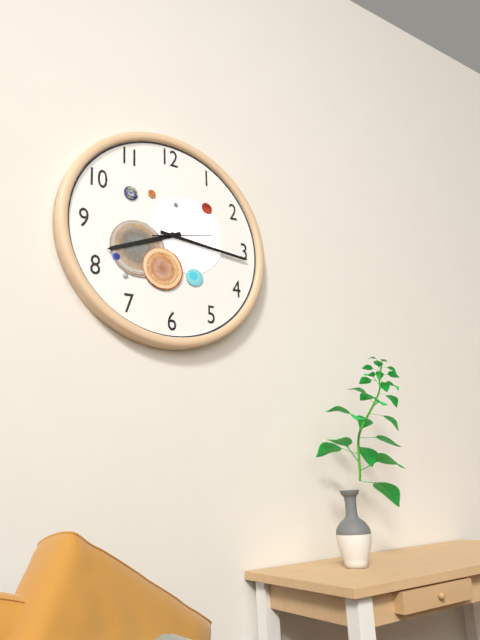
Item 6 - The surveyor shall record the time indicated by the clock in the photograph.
8:16:13
